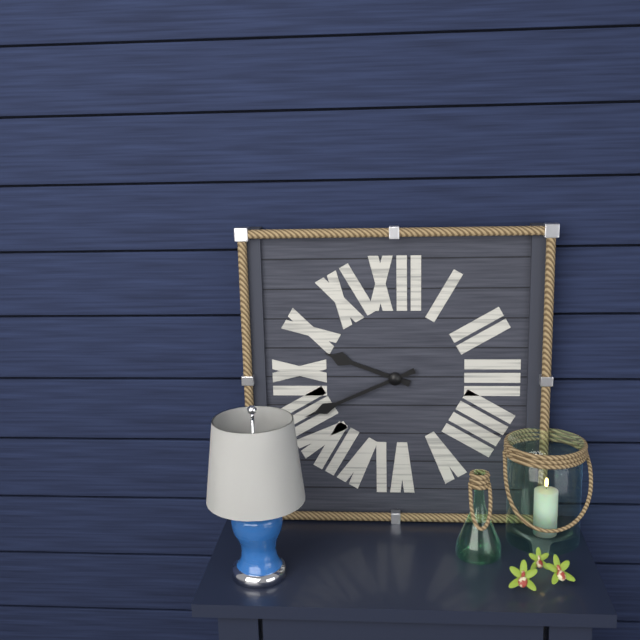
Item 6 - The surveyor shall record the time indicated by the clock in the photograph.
9:41
